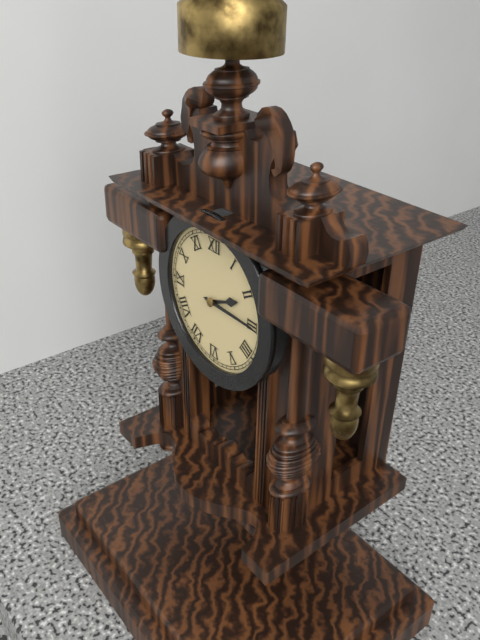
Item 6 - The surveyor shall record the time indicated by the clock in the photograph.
2:15
